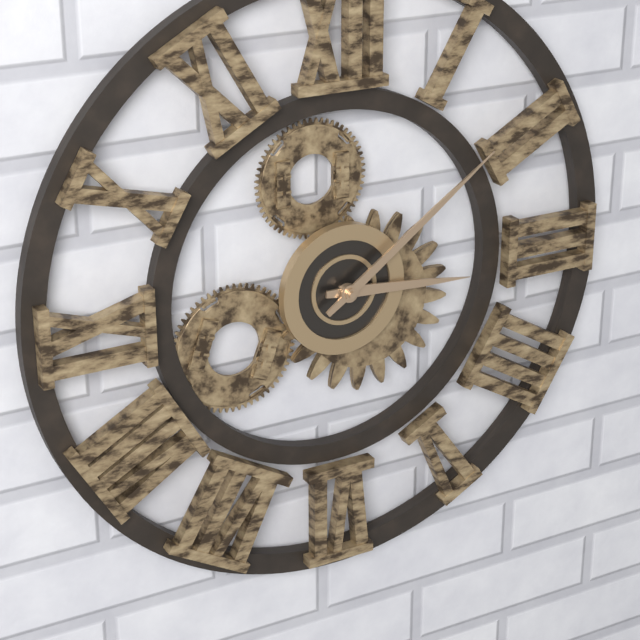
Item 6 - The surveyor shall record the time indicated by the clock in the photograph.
3:09
